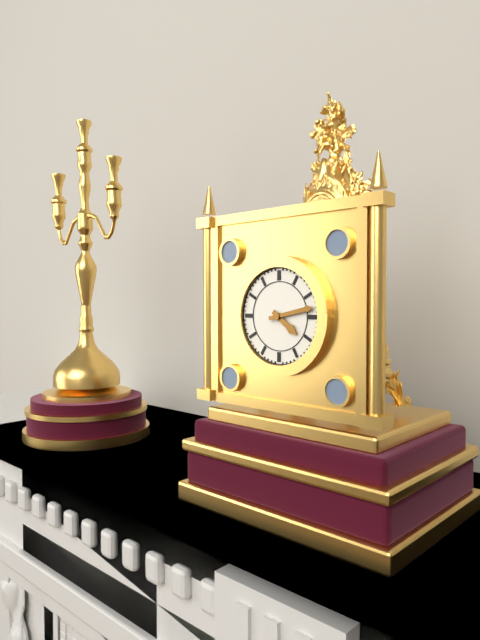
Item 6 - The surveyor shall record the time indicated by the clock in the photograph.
4:13
